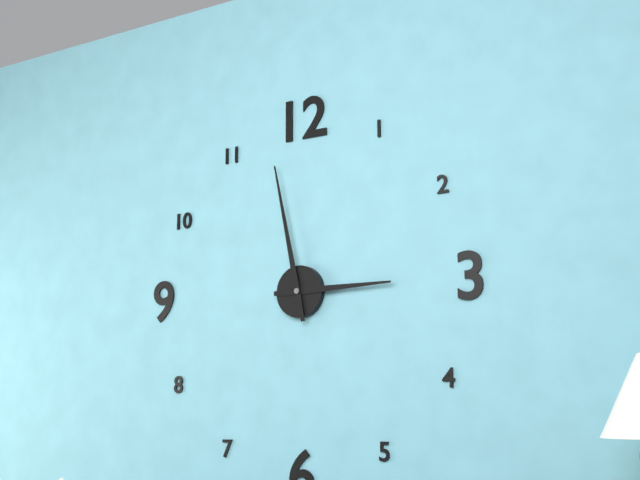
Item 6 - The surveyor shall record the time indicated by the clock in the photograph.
2:58
